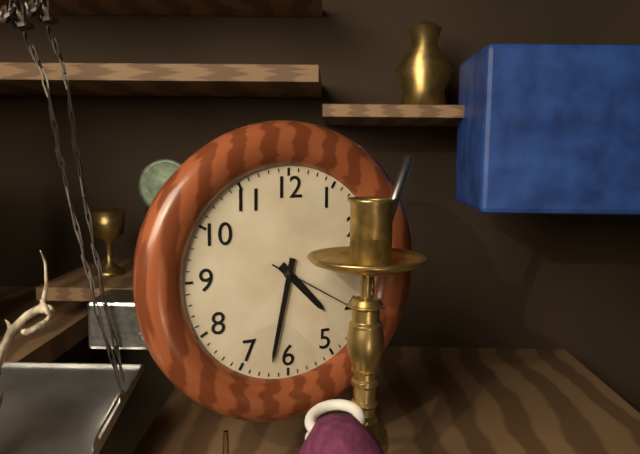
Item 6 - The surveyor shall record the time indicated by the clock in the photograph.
4:32:20
